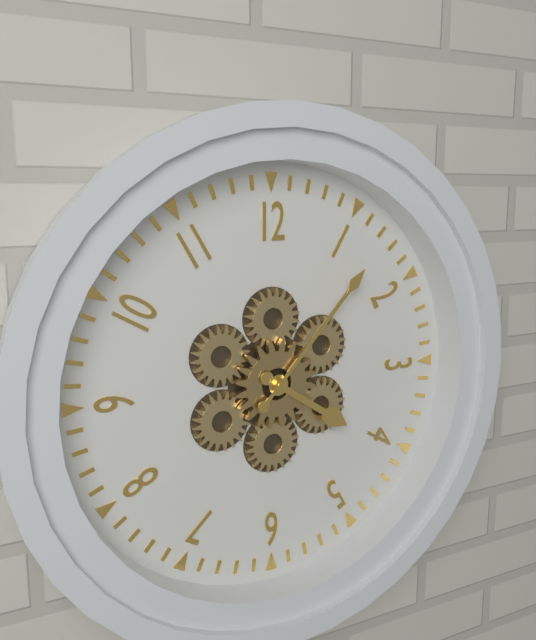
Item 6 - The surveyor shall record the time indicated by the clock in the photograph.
4:07
